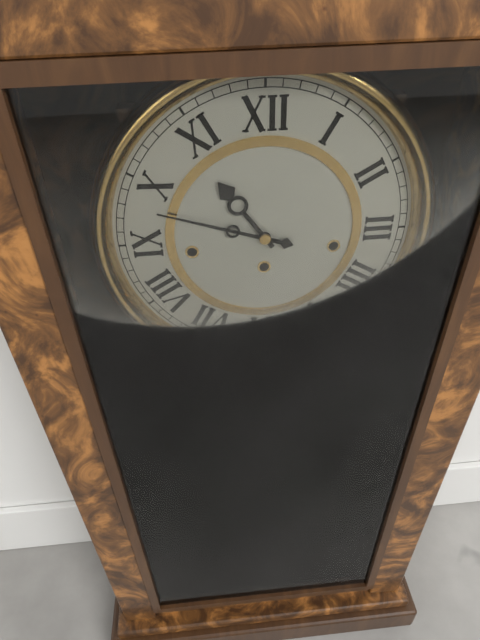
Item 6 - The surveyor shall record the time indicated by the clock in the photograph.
10:48
